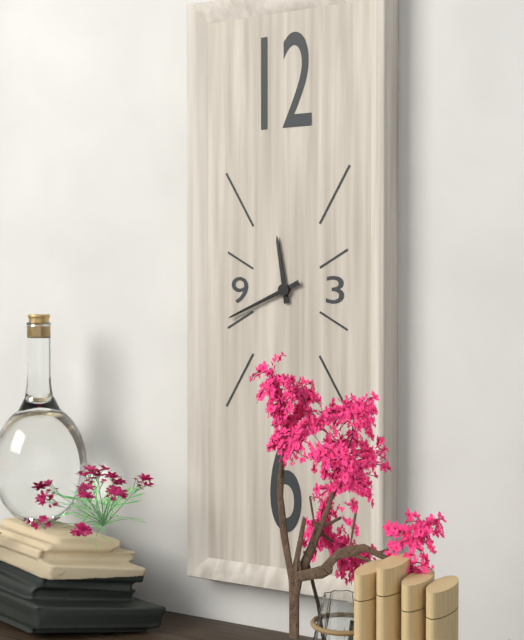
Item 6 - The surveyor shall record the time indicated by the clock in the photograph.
11:41
